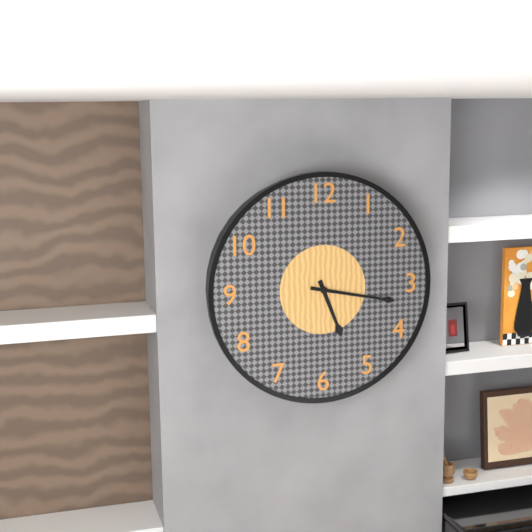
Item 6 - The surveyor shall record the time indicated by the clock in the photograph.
5:17
